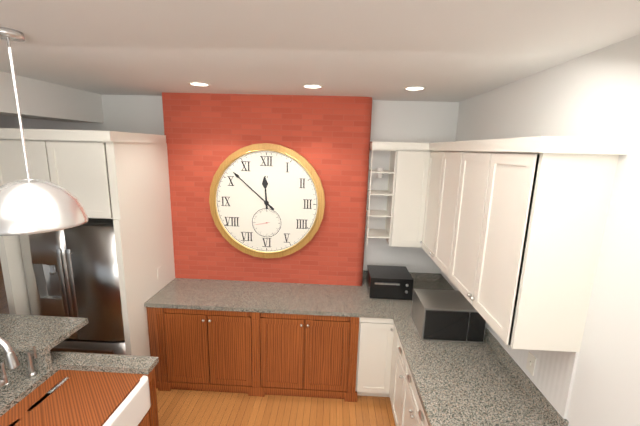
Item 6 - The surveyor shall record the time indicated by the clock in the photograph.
11:52
